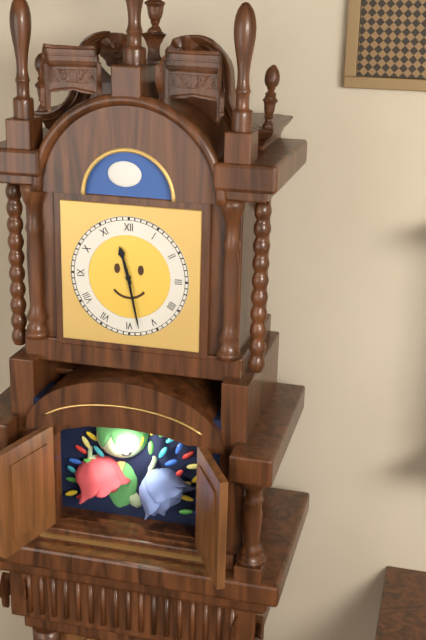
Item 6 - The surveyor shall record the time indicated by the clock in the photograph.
11:28
